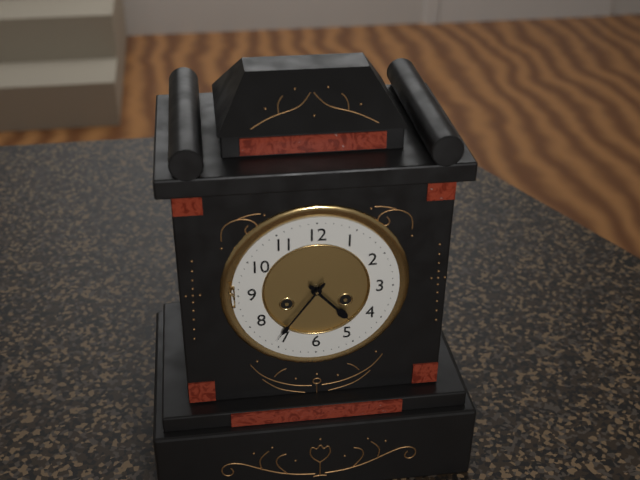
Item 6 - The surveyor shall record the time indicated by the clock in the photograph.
4:36
